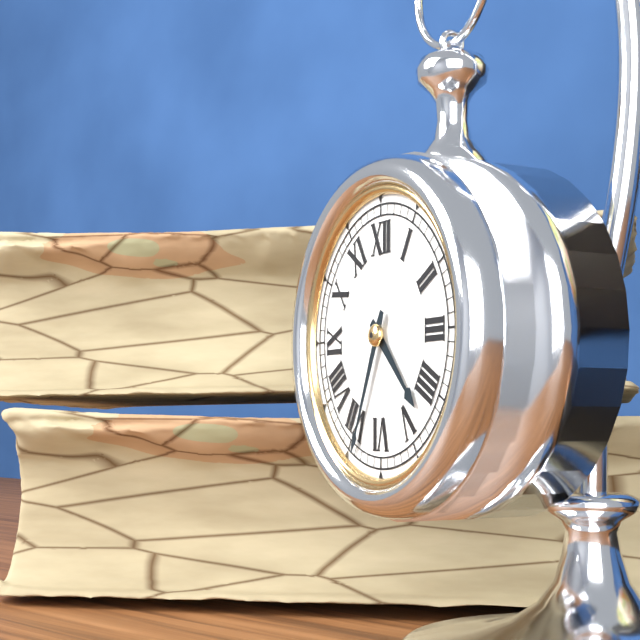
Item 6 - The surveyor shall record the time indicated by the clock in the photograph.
4:34
